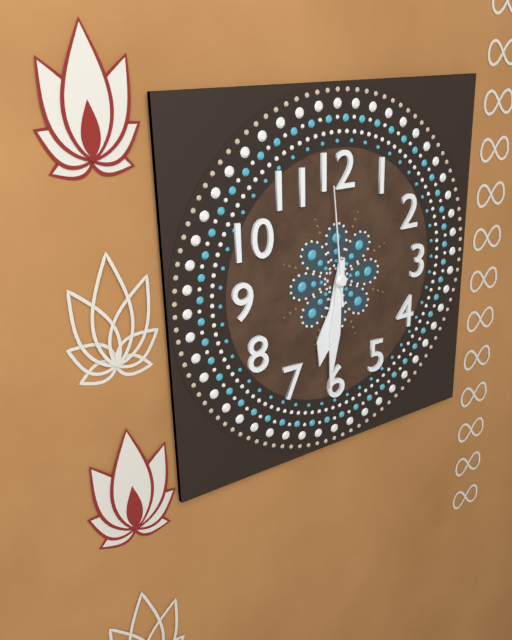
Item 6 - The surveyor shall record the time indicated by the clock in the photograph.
6:31:59
